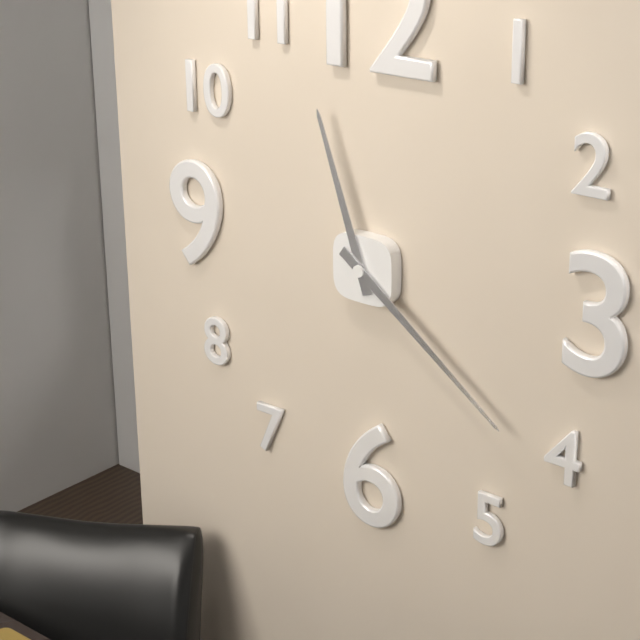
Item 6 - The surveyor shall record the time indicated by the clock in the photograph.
11:21
